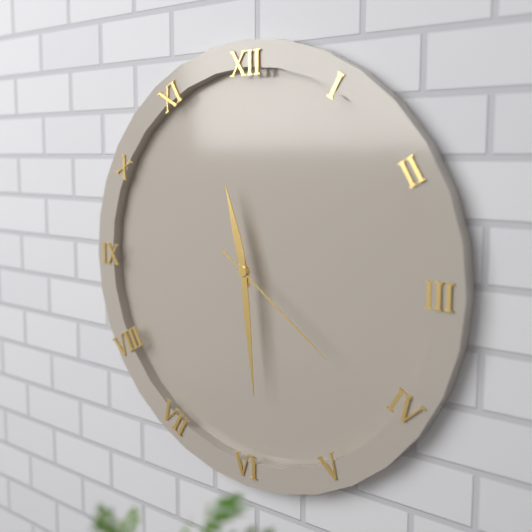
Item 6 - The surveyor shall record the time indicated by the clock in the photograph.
11:29:21
